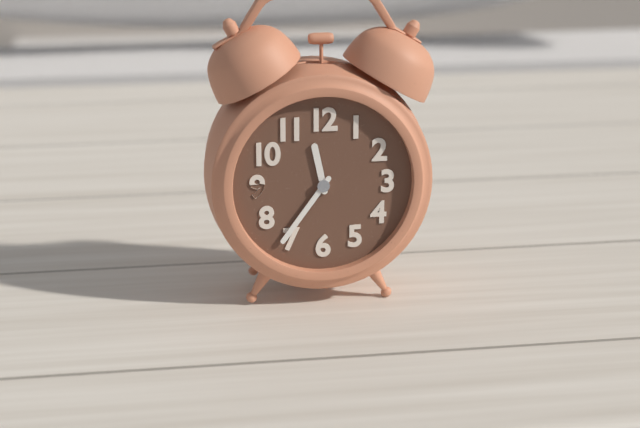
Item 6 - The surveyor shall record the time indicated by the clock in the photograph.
11:36
